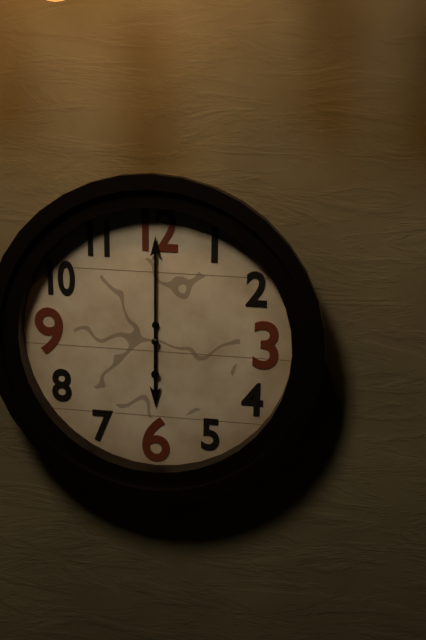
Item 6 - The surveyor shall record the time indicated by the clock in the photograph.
6:00
